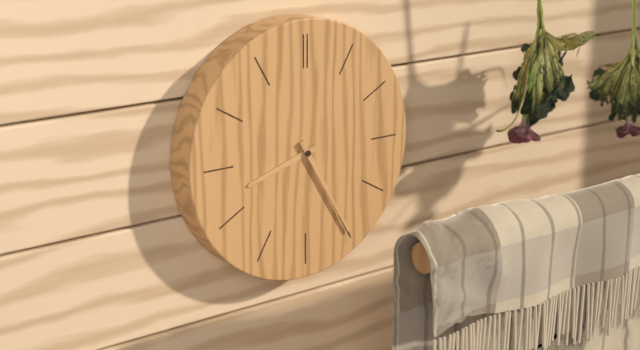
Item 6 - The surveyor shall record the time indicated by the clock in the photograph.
8:25
